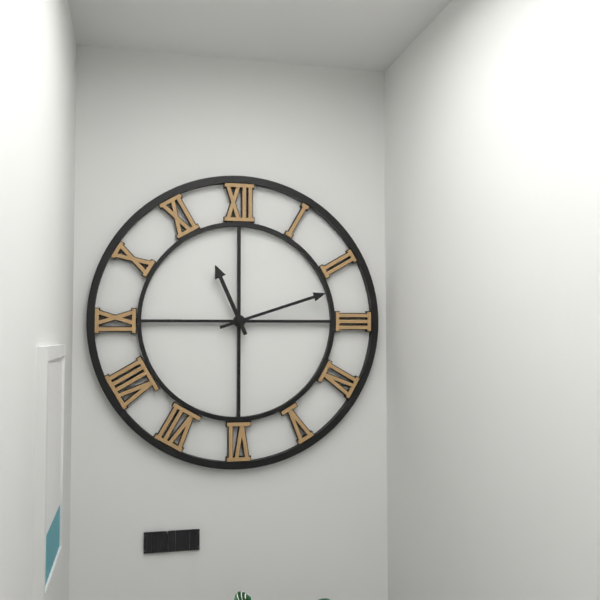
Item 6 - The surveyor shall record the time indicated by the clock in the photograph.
11:12
